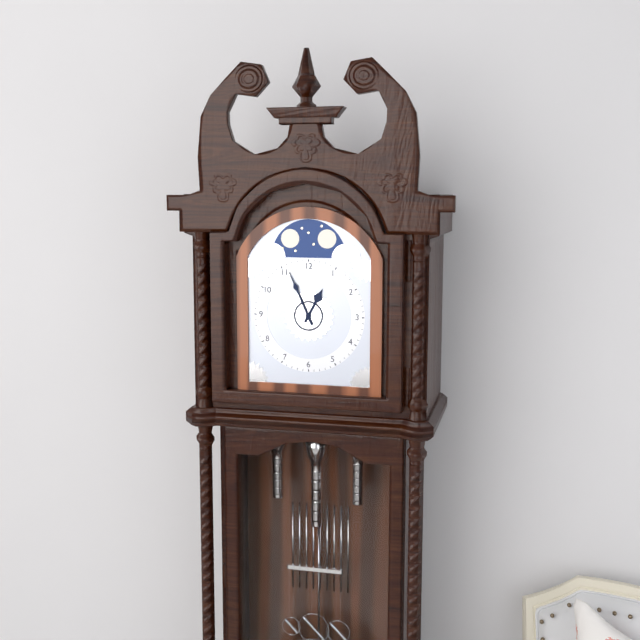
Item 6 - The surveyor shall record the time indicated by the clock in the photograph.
12:56
